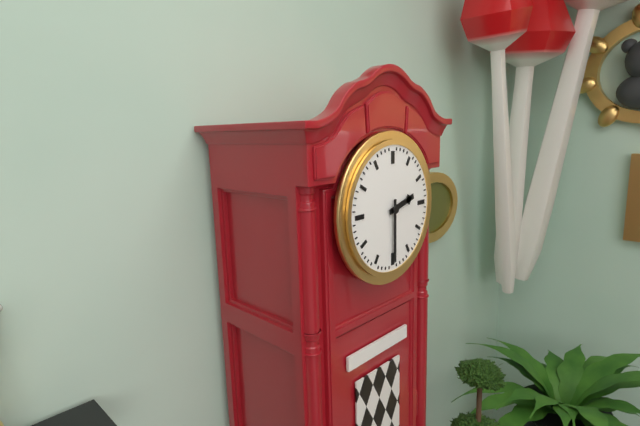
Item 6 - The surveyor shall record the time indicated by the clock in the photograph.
2:30
